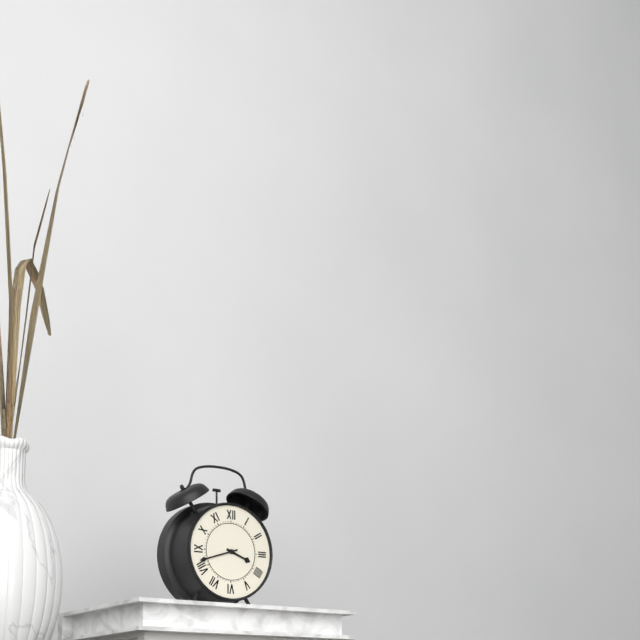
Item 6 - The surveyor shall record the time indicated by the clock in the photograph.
3:42
